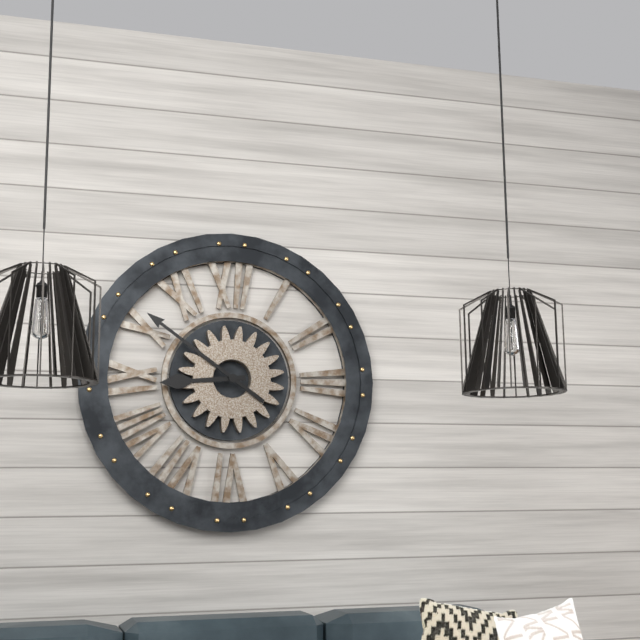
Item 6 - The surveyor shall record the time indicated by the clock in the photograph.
8:51
